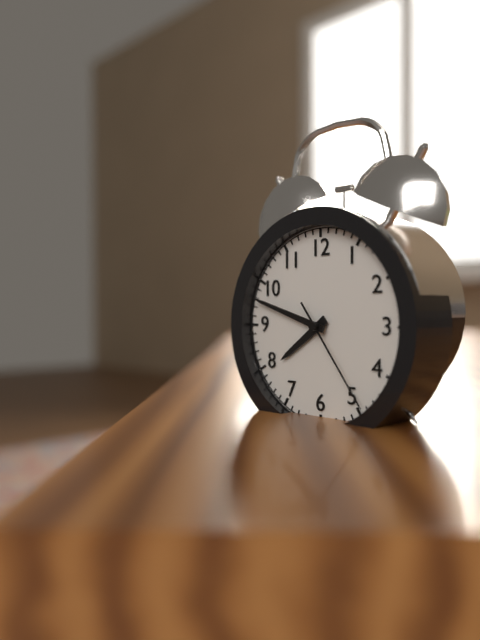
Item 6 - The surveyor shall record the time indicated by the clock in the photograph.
7:48:24
